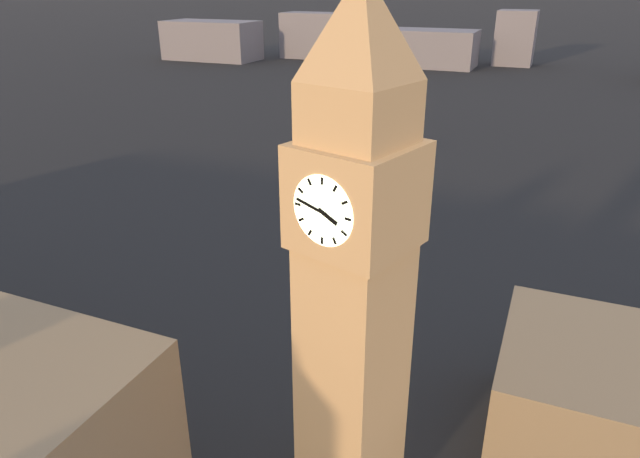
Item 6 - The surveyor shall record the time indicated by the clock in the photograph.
3:47
